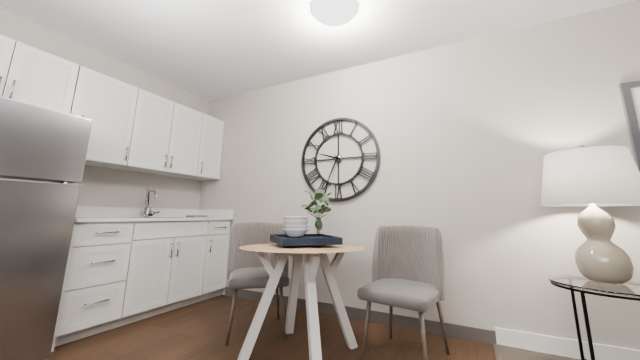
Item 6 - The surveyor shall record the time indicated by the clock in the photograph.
9:34
